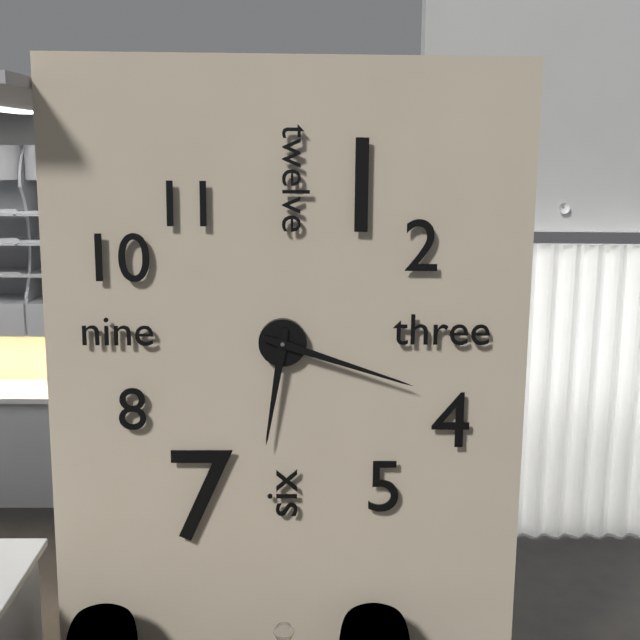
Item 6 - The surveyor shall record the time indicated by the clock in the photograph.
6:18
